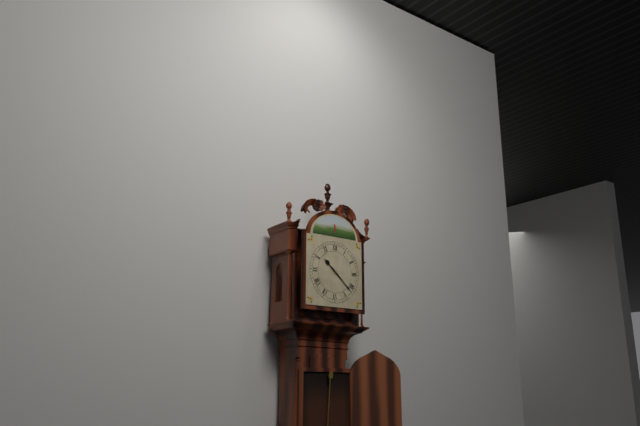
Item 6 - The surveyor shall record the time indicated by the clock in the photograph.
10:22
